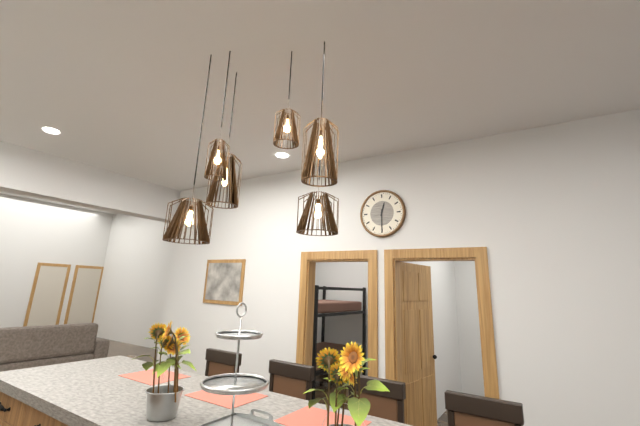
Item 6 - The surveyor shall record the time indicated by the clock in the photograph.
12:30
